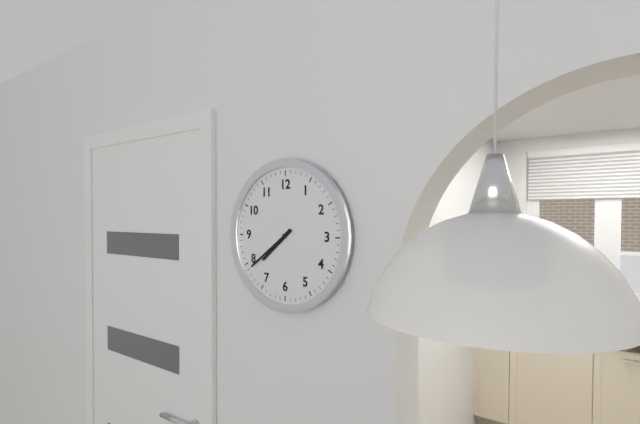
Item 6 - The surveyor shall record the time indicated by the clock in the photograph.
7:39
